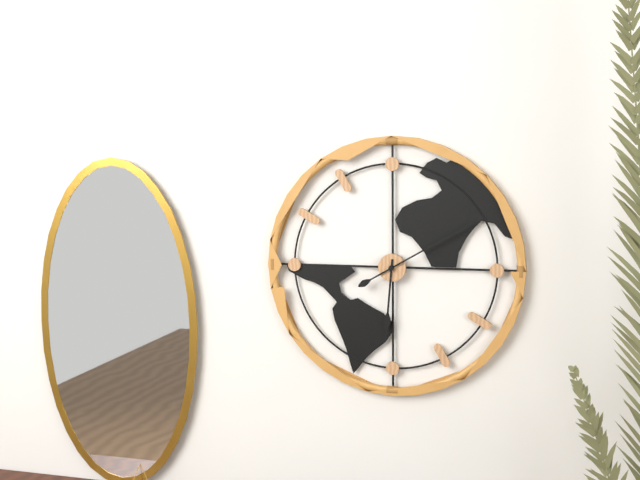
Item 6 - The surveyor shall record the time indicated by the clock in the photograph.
6:10
